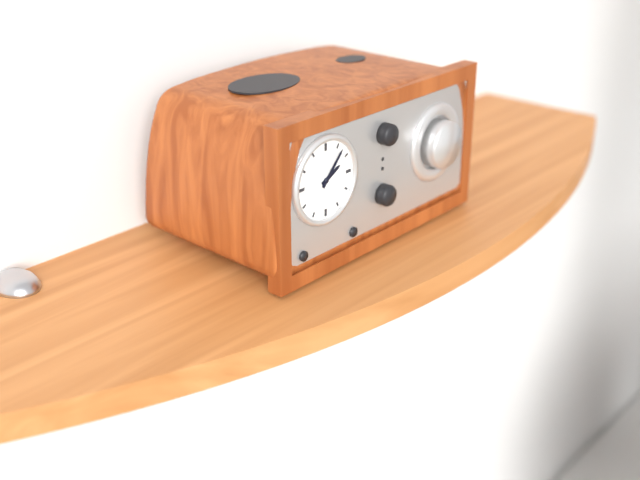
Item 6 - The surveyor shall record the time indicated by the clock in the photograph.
2:07
